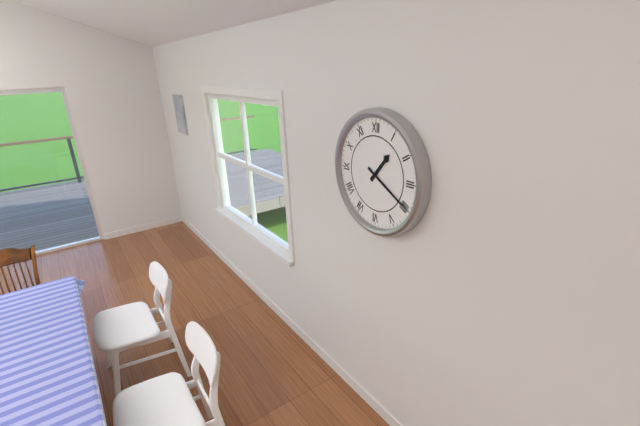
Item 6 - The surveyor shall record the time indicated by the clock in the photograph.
1:20
